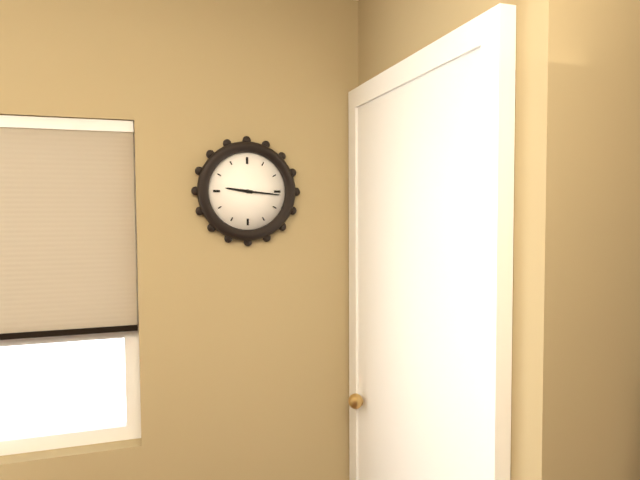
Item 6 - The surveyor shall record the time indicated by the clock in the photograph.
9:16
